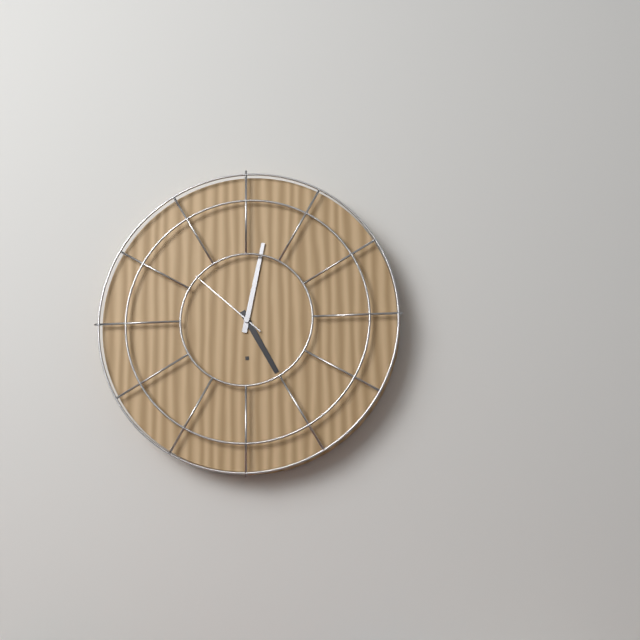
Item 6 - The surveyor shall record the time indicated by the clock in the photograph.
5:02:52
